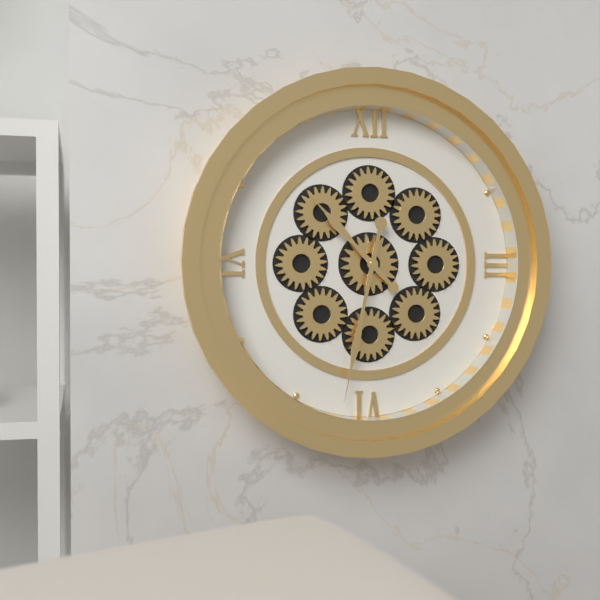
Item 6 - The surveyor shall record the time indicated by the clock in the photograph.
10:32
